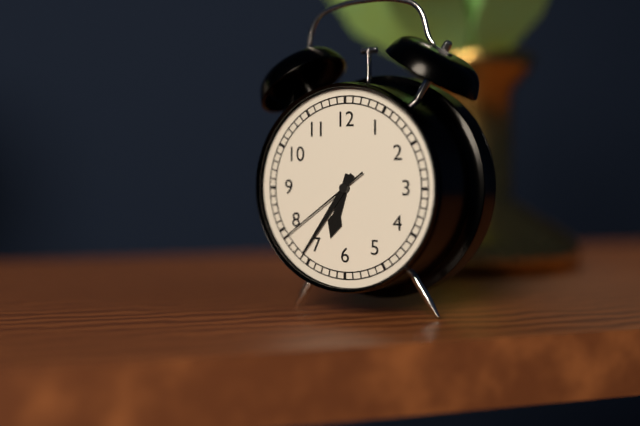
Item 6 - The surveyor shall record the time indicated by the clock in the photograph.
6:36:39
